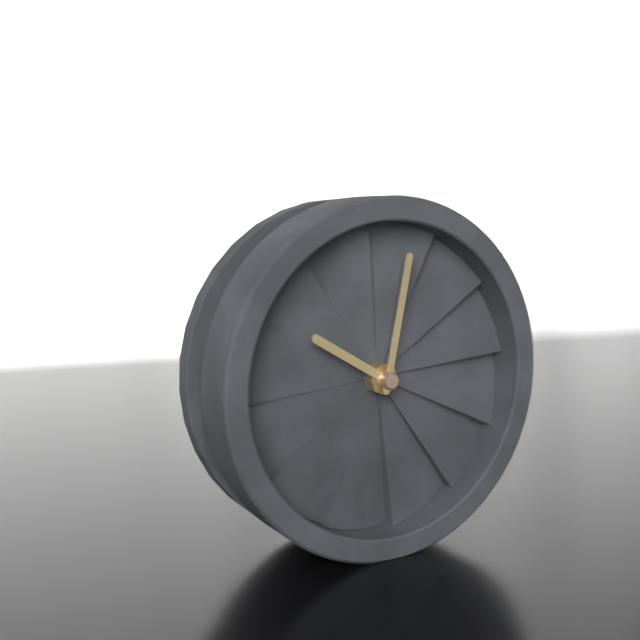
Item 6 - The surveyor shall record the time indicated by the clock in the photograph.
10:02
